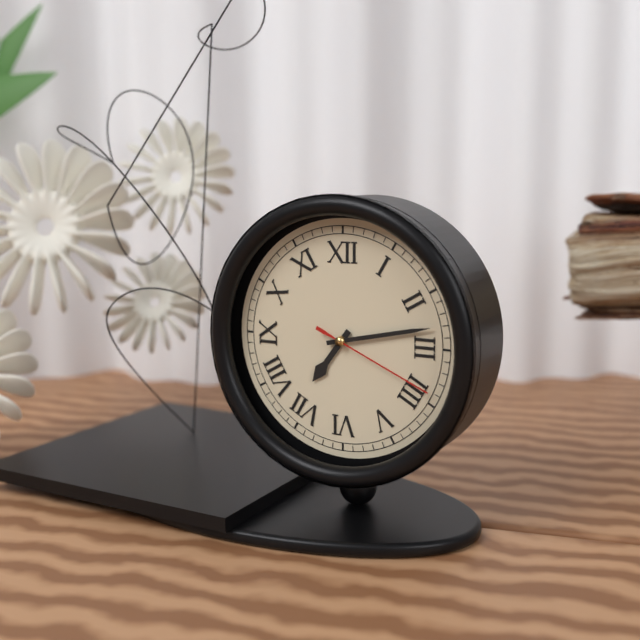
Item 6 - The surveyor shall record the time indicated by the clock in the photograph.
7:13:19
